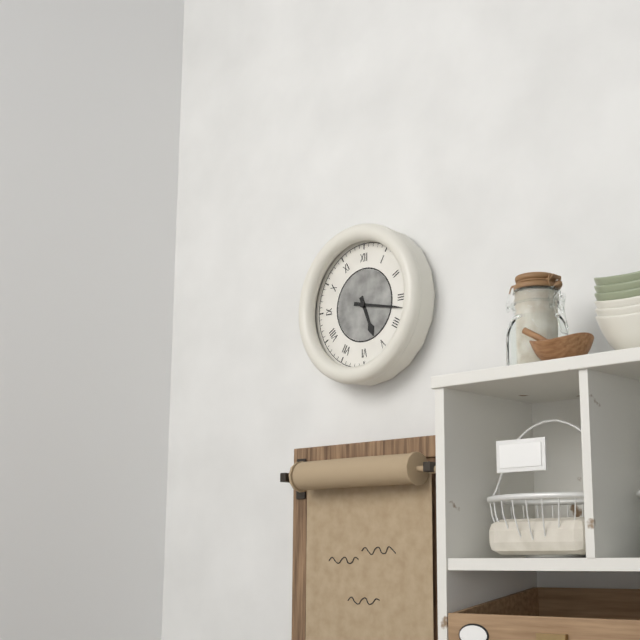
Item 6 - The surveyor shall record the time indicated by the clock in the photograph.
5:17
